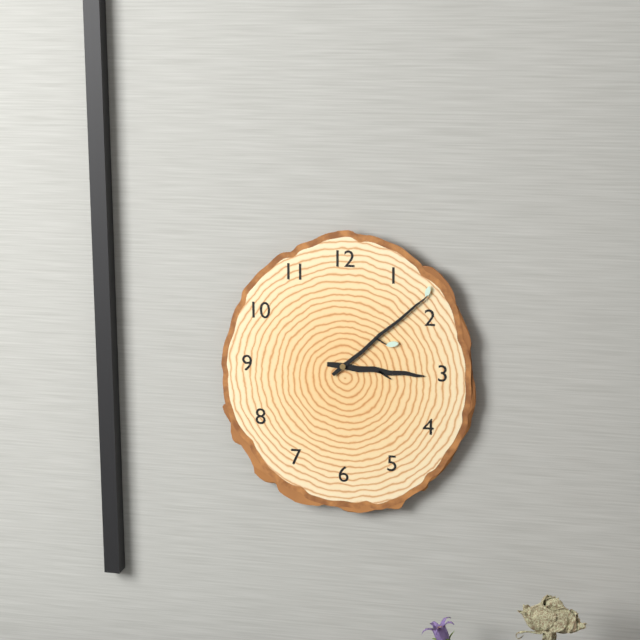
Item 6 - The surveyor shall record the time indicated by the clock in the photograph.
3:08
